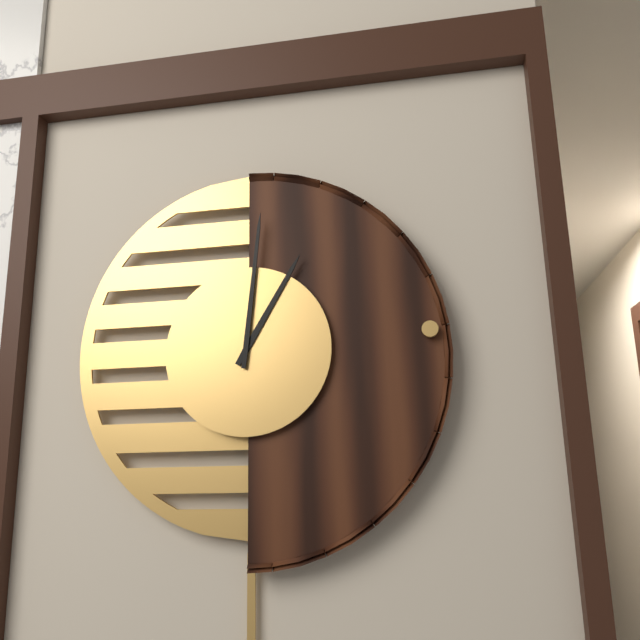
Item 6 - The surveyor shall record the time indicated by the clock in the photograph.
1:01
